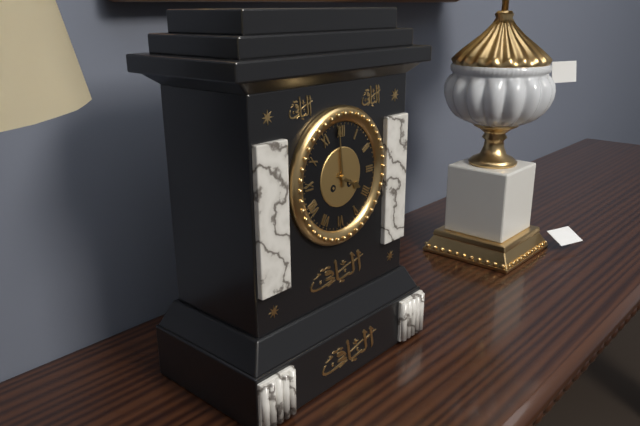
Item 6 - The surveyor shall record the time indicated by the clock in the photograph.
3:59
